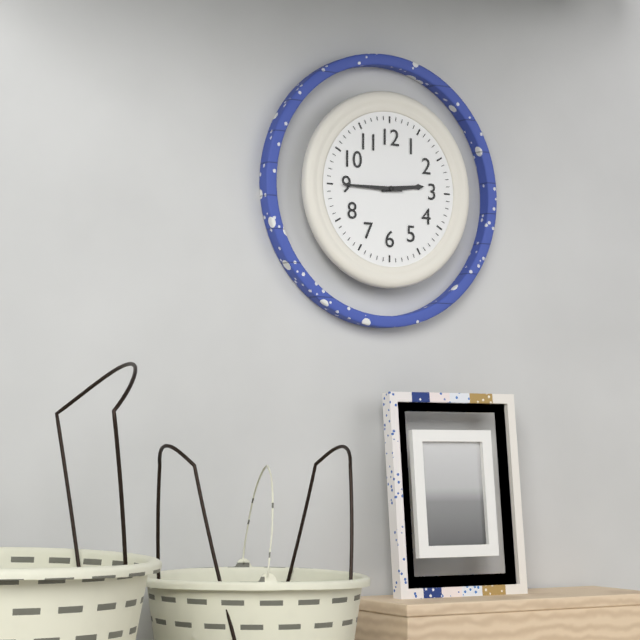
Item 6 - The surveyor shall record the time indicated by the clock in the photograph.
2:45
